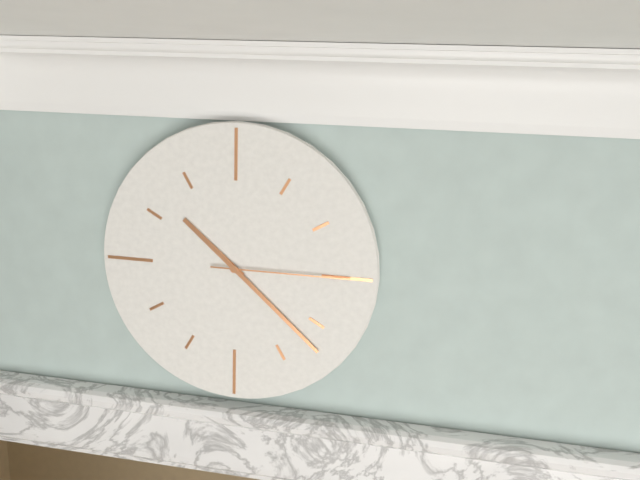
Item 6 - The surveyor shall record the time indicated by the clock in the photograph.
10:22:15
